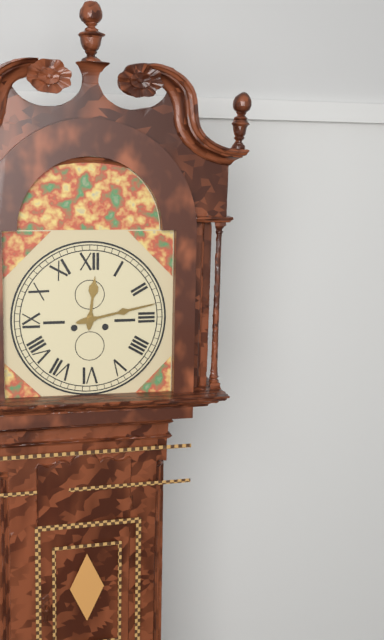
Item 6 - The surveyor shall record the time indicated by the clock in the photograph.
12:13
